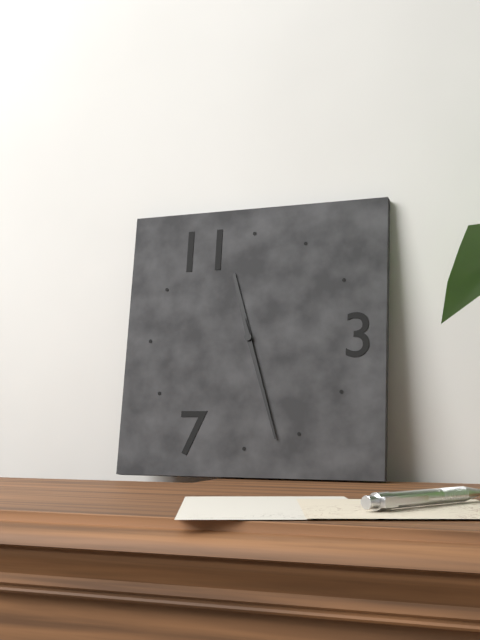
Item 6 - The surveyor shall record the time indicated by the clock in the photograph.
11:27
